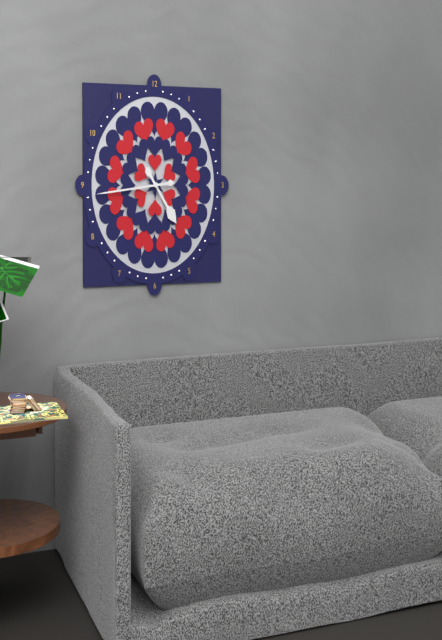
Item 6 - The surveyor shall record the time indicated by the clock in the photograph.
4:44
